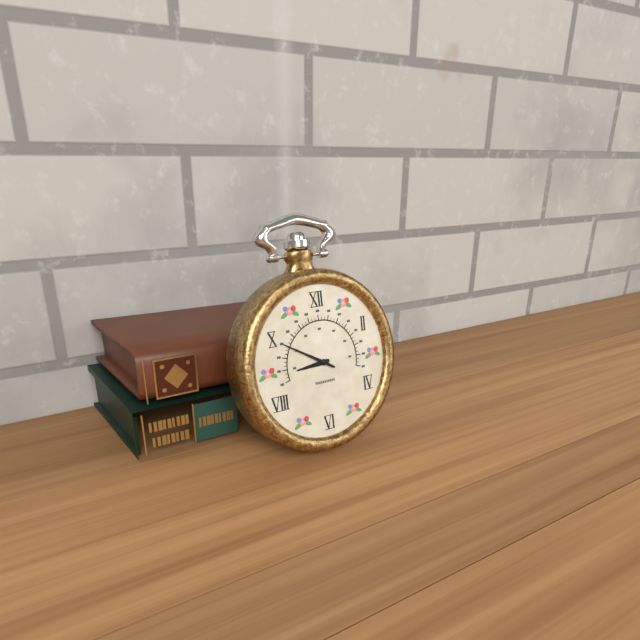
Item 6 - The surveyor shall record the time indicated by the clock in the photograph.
8:50
